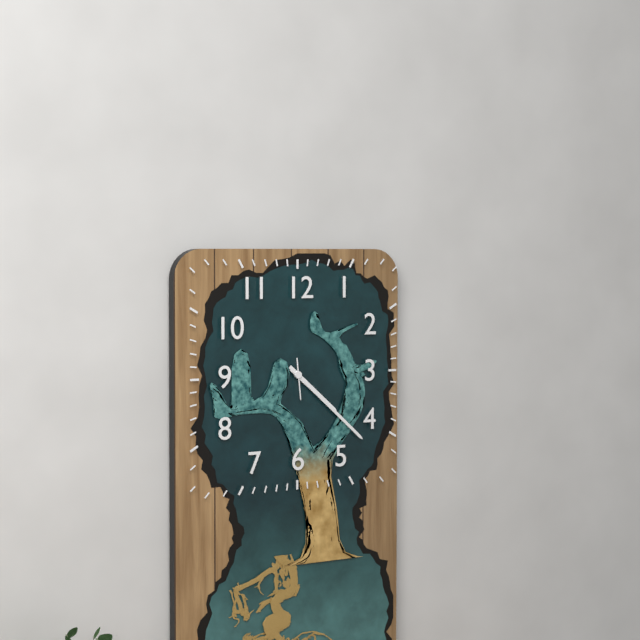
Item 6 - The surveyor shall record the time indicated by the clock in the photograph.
4:22
